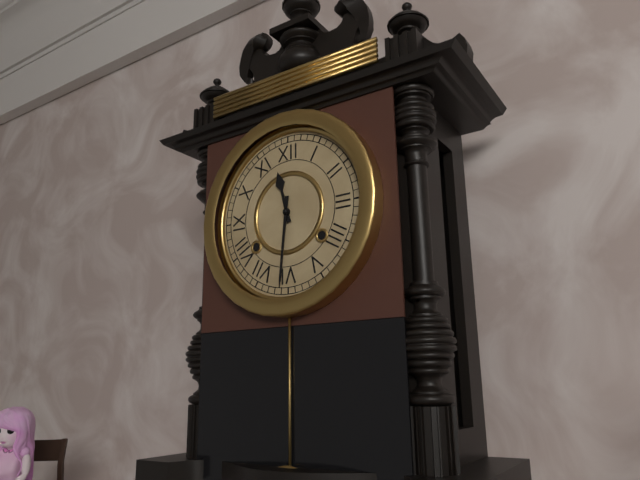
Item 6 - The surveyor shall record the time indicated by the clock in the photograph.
11:31
